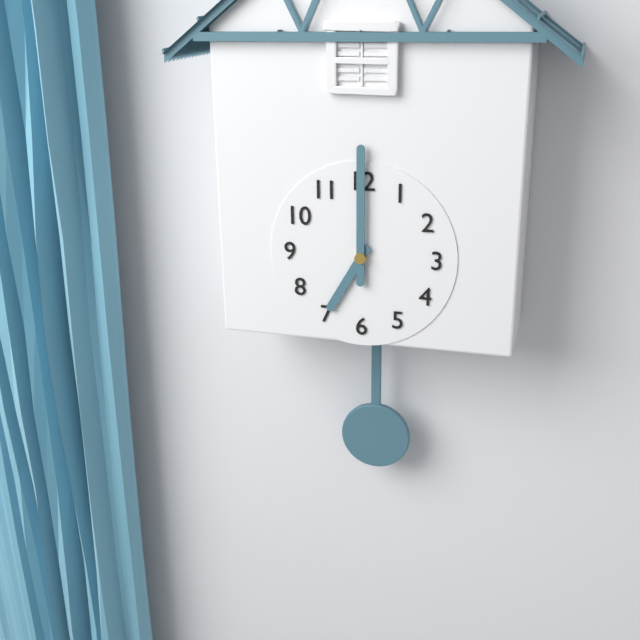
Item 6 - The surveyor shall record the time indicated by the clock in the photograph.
7:00
